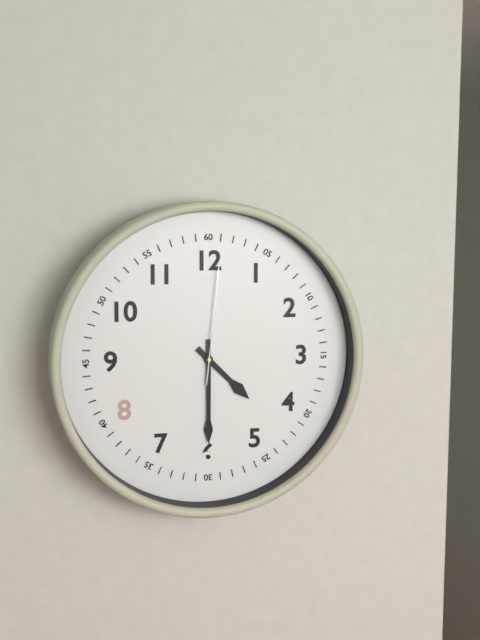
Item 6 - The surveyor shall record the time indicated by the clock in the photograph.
4:30:01
